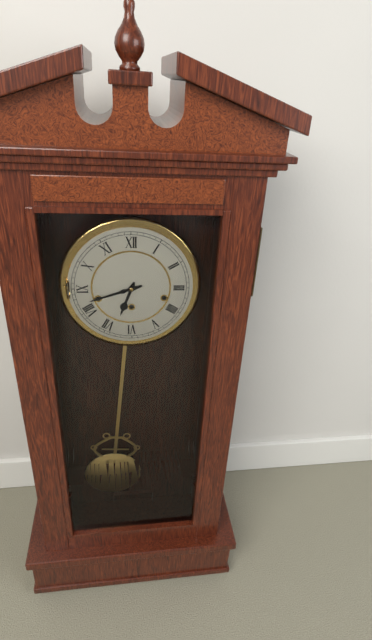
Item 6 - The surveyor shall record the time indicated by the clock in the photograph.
6:42
